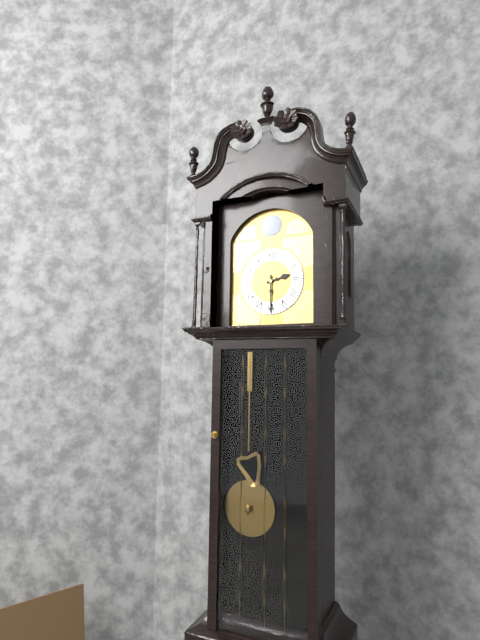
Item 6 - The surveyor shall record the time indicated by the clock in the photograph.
2:30
